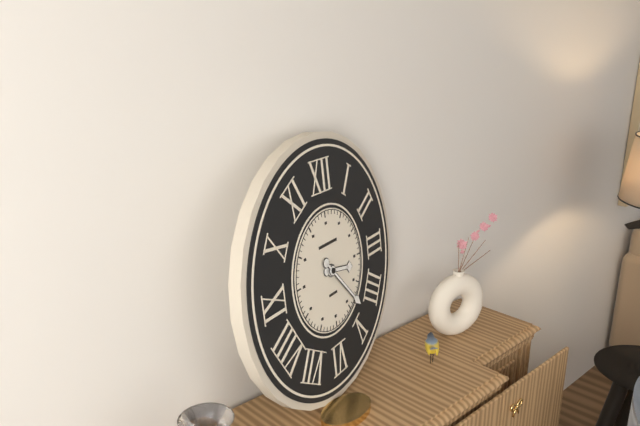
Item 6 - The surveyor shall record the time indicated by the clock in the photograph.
3:23
